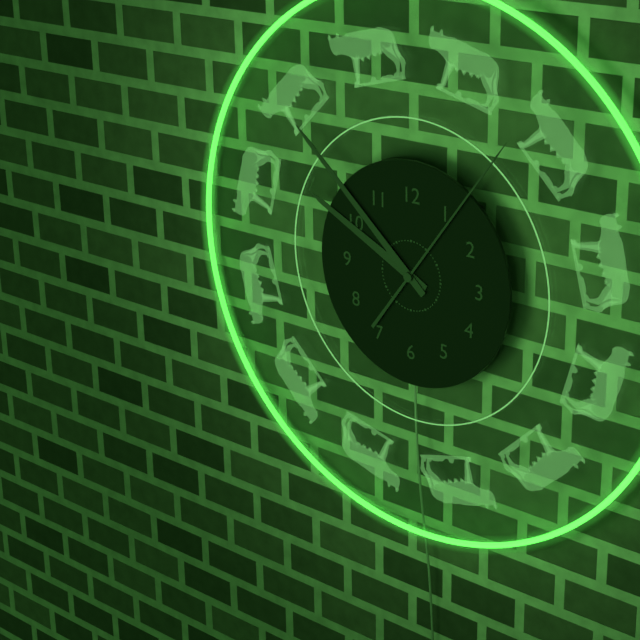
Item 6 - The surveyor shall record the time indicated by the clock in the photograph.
9:52:06
